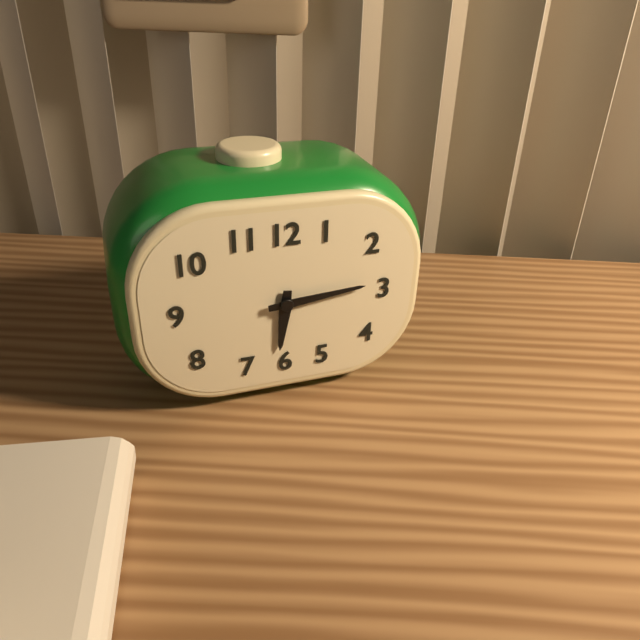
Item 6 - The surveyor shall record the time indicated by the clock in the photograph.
6:14
